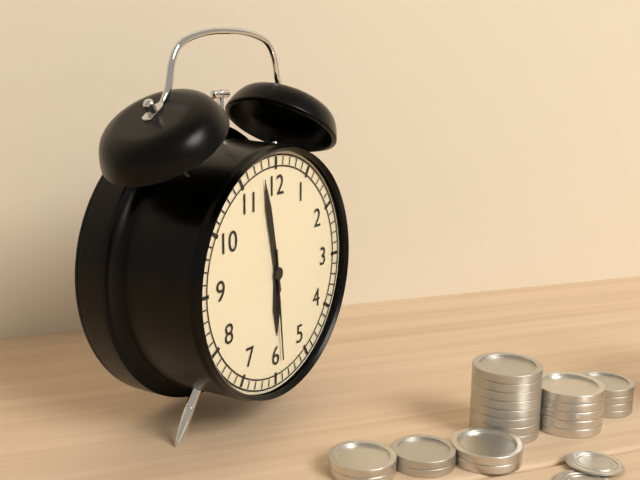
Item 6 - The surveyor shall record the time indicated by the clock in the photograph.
5:58:29
